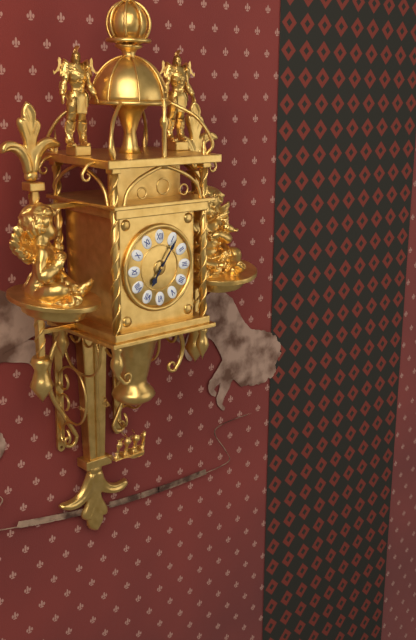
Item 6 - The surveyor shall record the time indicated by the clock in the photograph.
7:06
